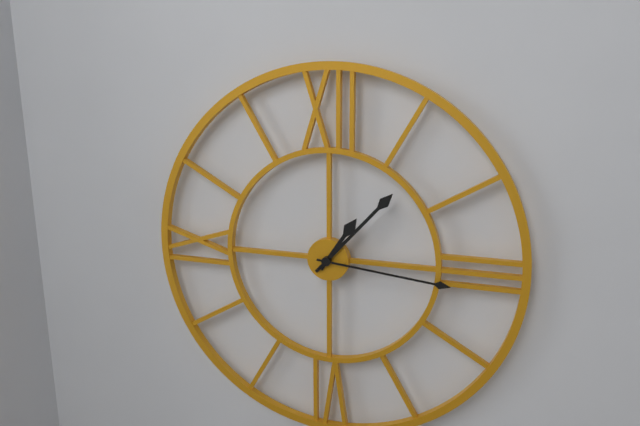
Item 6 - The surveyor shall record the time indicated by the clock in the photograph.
1:07:16
